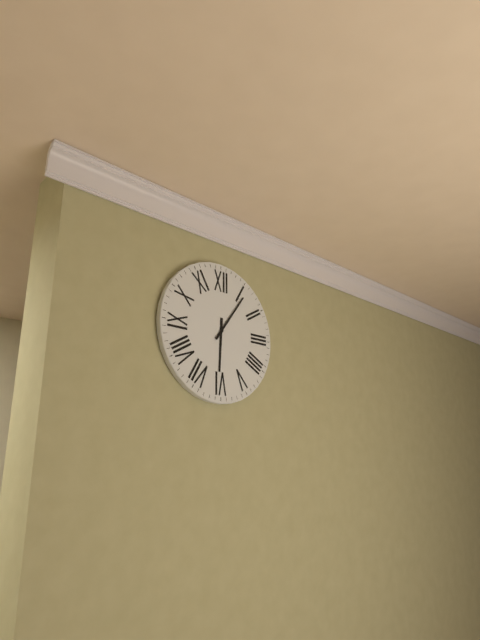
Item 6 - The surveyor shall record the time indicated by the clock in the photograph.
6:06
